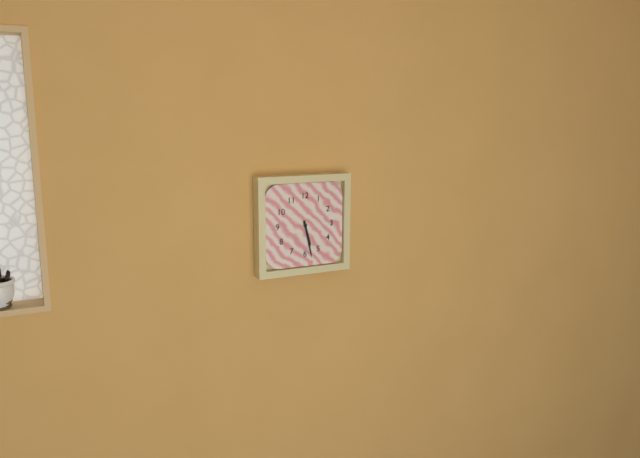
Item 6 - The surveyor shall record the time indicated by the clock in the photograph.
5:28
